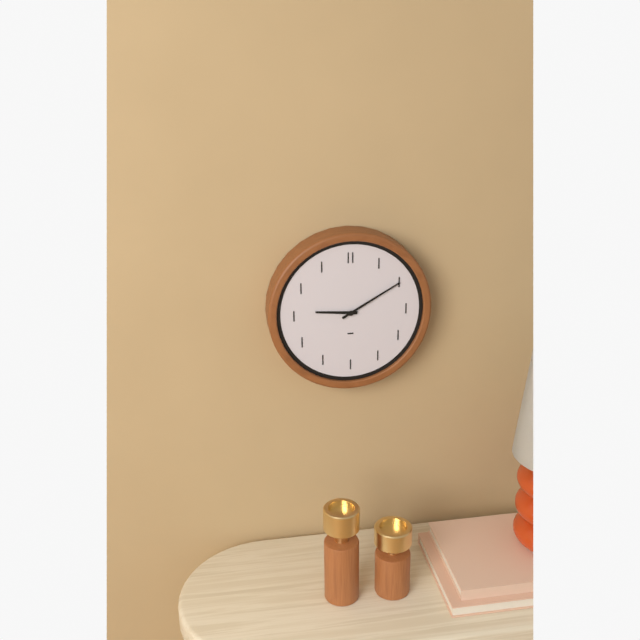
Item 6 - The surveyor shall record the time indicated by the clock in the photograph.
9:10
